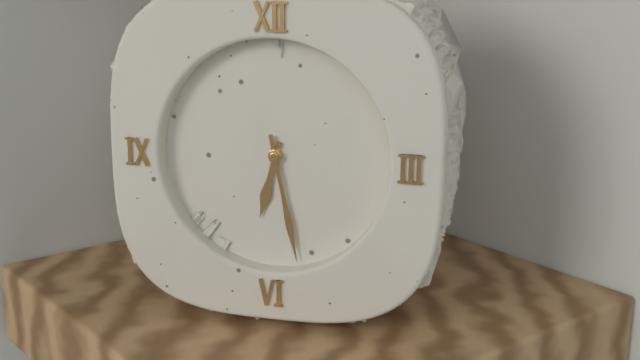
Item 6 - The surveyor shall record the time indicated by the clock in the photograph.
6:28
